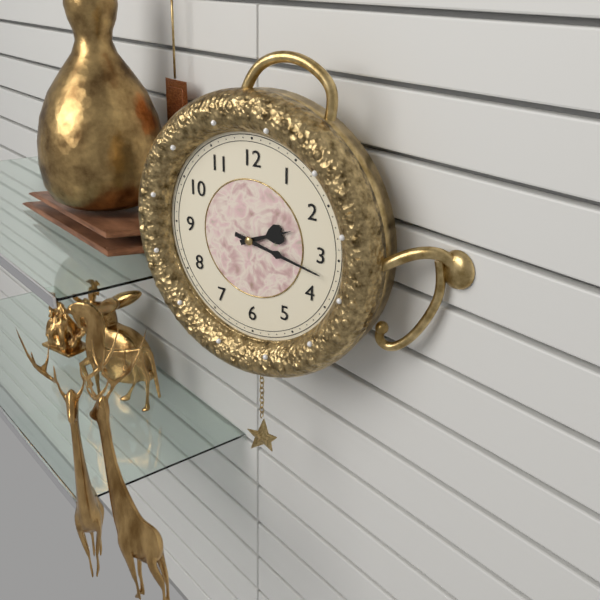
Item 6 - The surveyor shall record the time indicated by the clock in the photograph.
2:17
